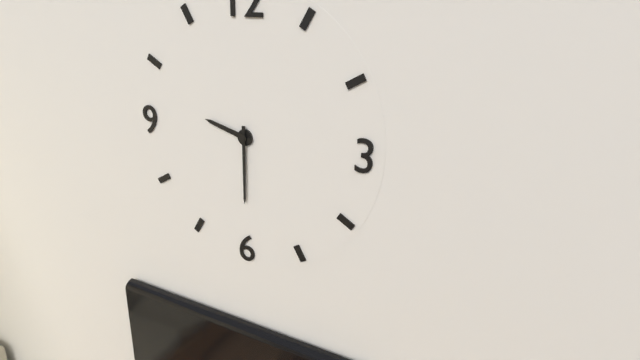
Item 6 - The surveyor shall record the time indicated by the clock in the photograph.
9:30
